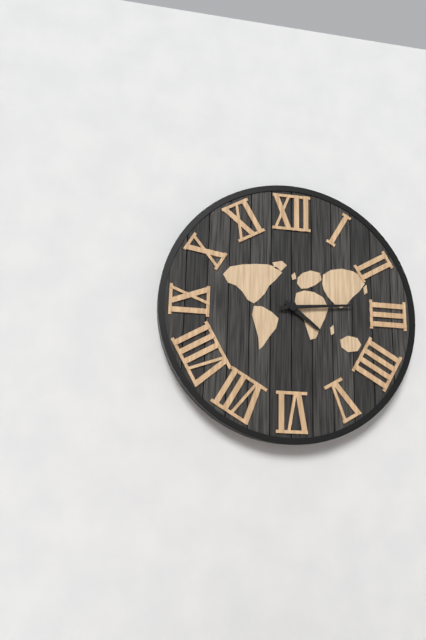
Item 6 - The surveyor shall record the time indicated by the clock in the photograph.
4:14
